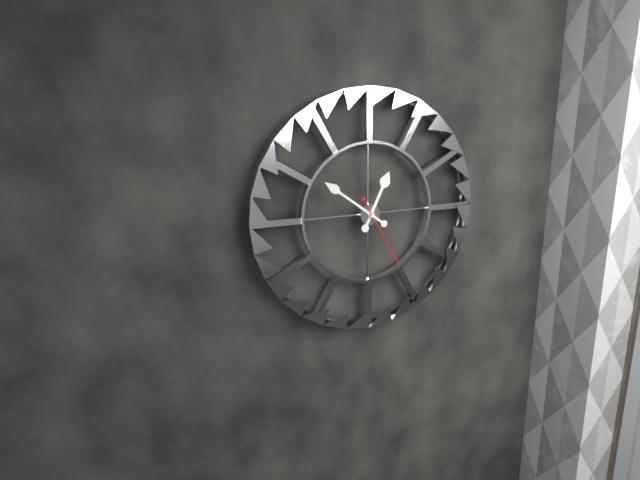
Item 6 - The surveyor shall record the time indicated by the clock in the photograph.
12:51:25
